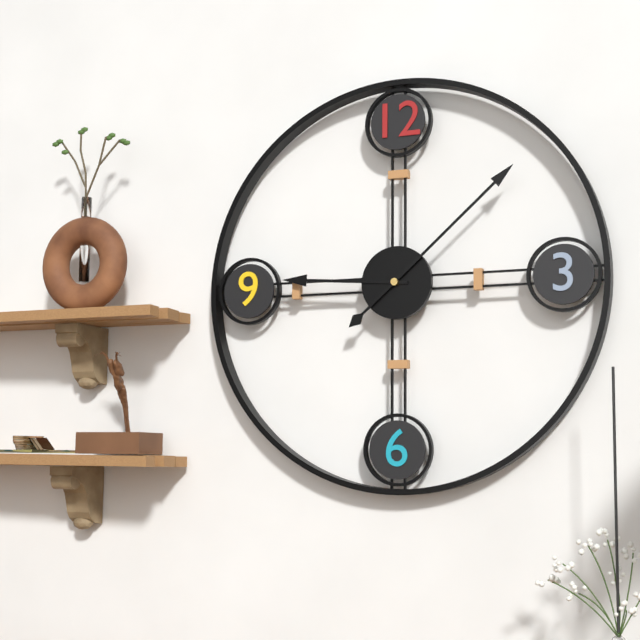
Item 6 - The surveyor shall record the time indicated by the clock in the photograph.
9:08
